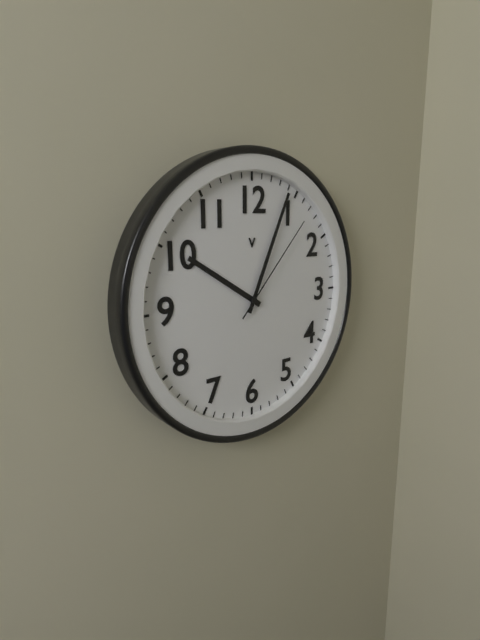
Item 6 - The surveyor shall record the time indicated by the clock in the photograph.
10:04:07
